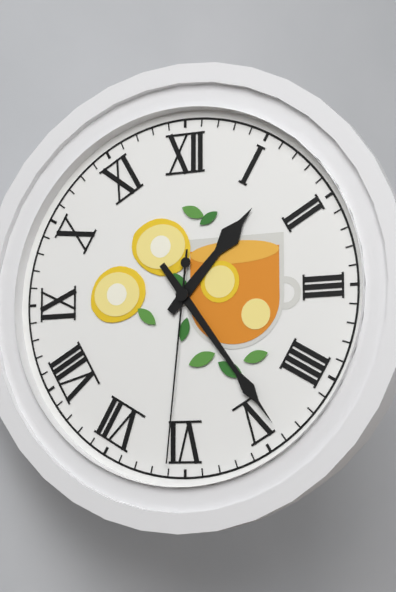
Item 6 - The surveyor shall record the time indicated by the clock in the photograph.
1:24:31
